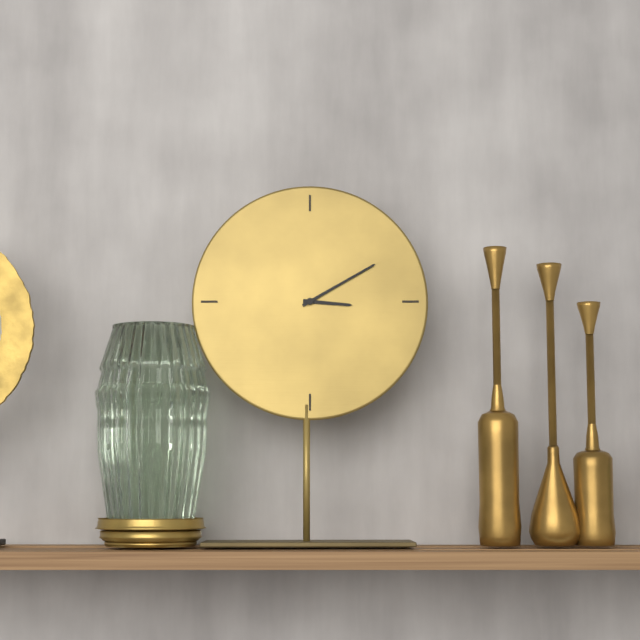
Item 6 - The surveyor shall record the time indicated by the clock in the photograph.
3:10
